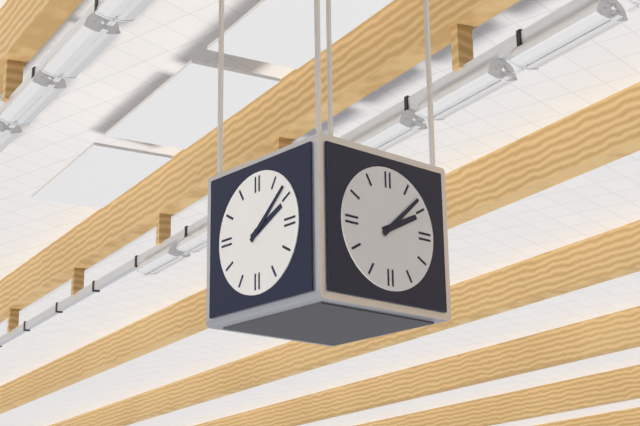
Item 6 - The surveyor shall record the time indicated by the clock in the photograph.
2:08
